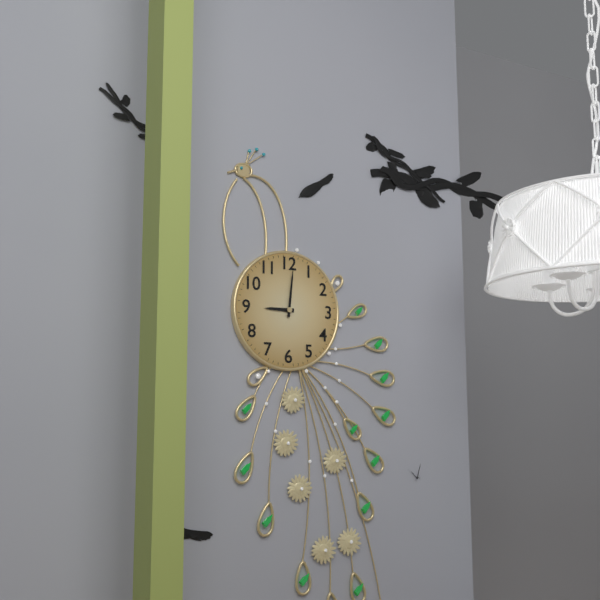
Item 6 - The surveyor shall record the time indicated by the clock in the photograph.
9:01
